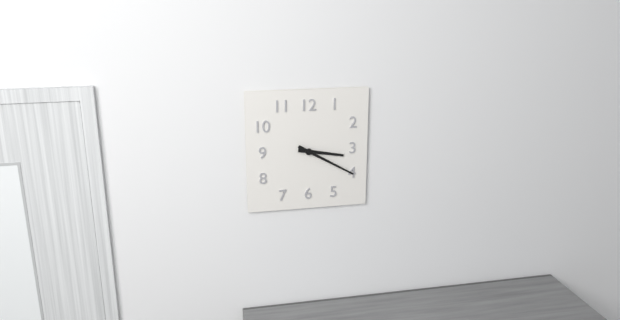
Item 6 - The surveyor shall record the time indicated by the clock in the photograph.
3:20
